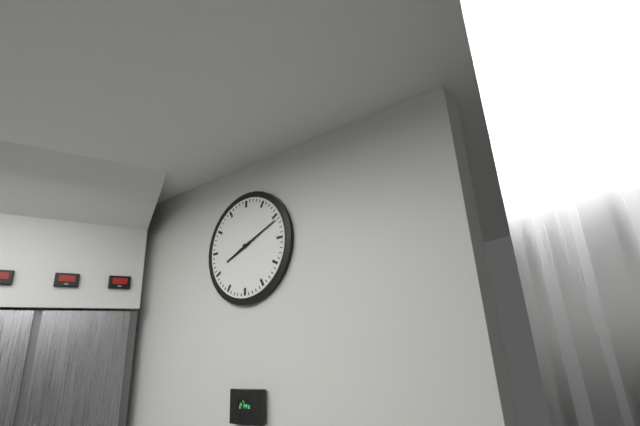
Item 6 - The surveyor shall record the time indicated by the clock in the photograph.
8:11
